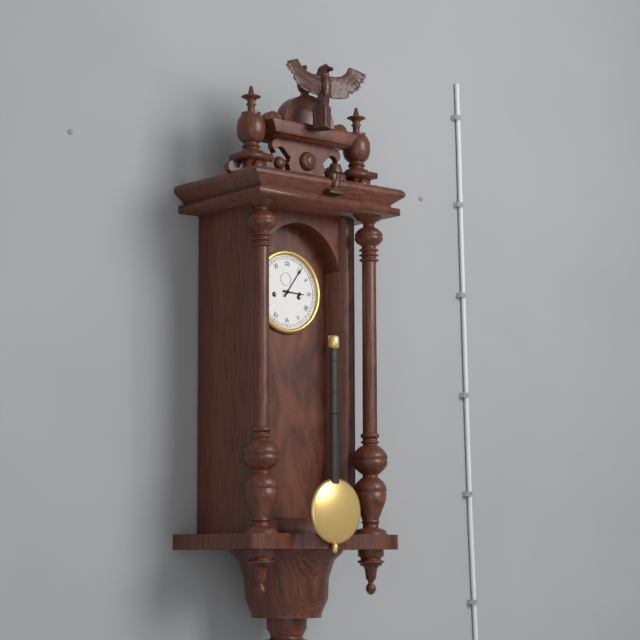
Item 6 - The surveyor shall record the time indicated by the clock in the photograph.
3:06
